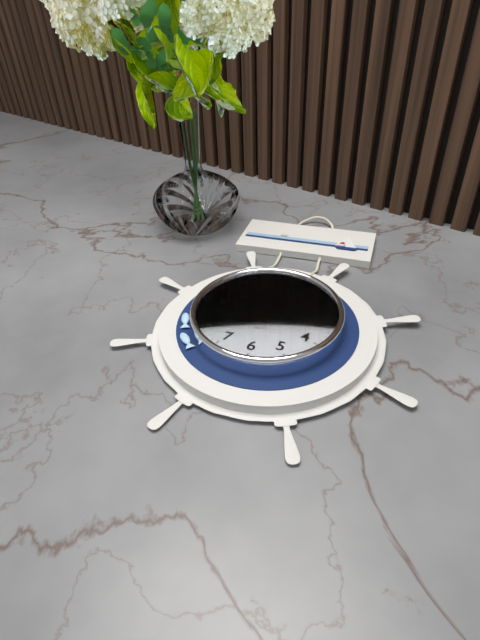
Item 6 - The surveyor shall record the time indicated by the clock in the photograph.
9:49:07
